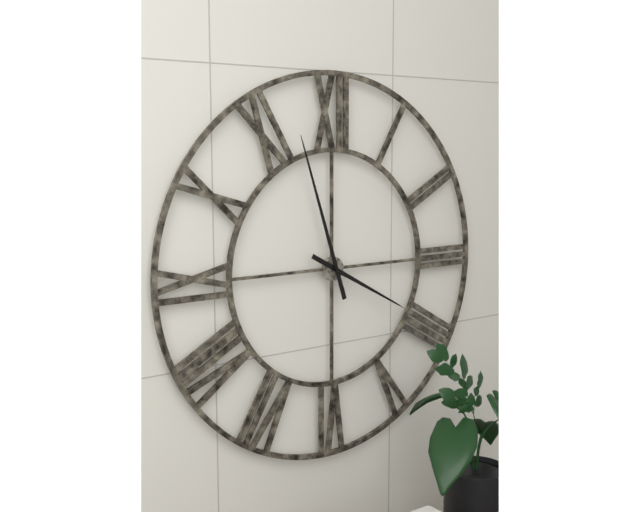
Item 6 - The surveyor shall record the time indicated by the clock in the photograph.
3:57
